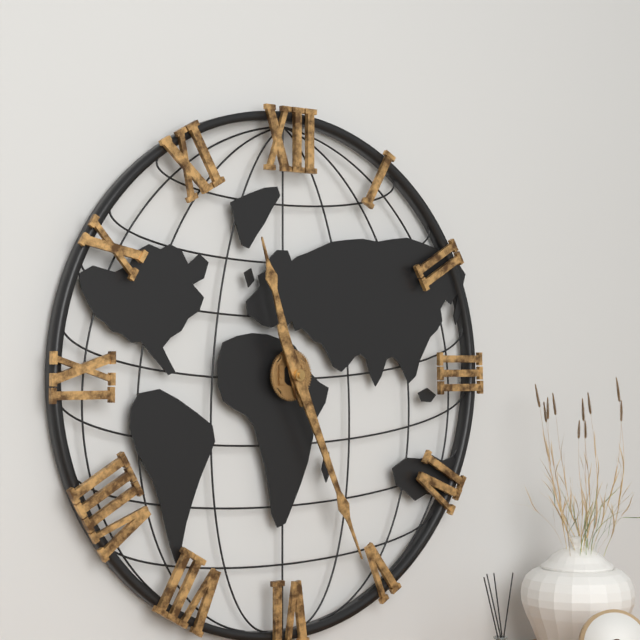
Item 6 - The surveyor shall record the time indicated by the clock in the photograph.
11:26
